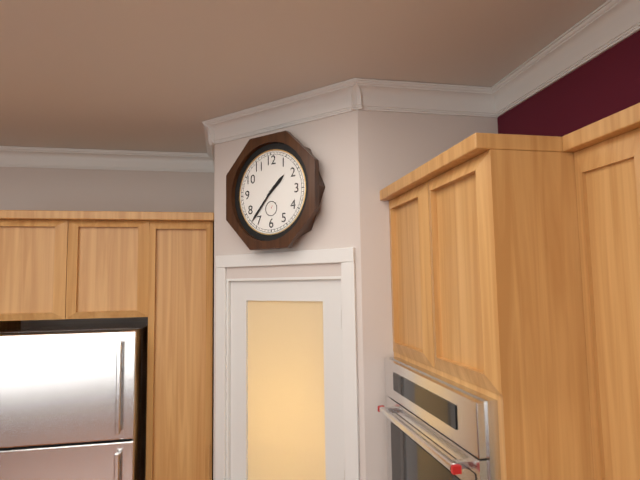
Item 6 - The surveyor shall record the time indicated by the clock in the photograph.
1:37
